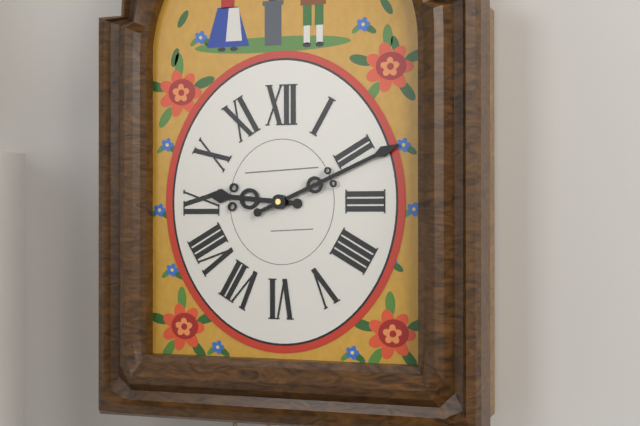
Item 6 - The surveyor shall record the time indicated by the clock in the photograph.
9:11
